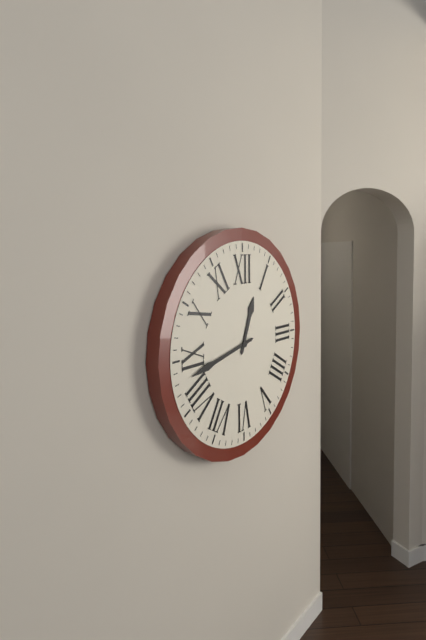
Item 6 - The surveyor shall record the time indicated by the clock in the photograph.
12:43
